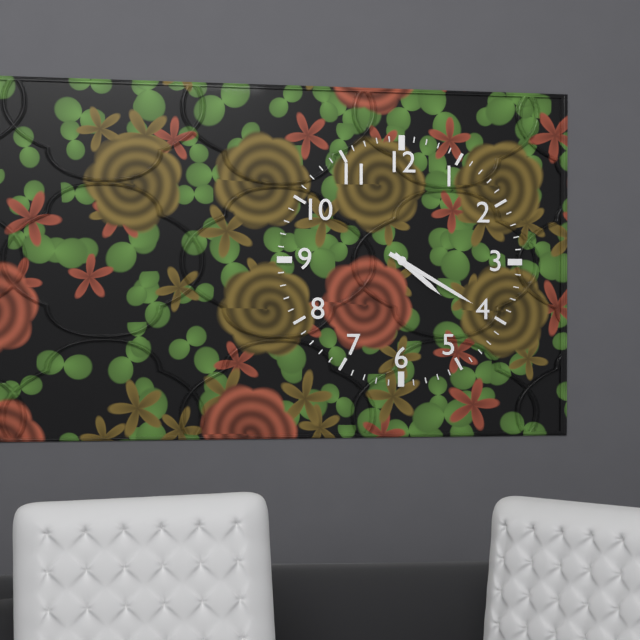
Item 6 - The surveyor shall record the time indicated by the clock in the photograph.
4:20
